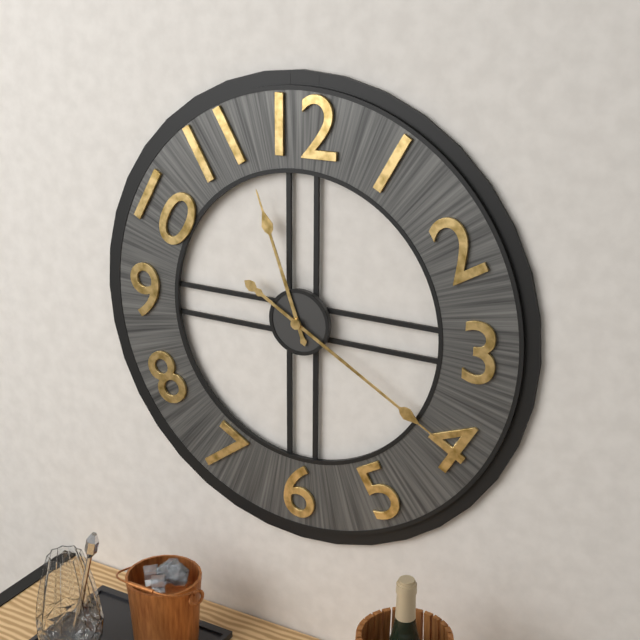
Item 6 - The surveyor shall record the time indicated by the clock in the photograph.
11:20
